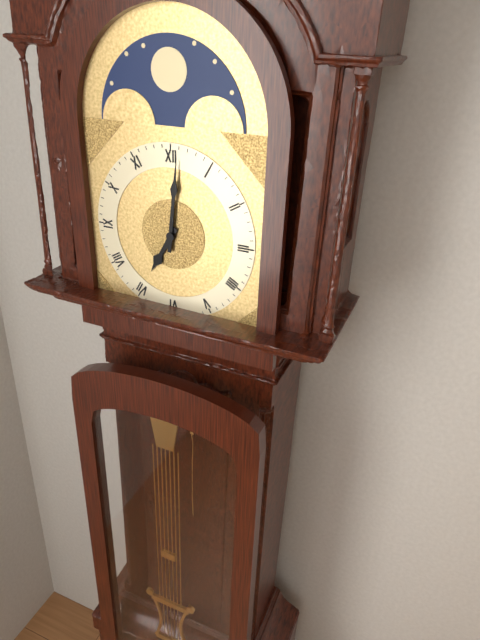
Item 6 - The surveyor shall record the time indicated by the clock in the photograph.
7:01
